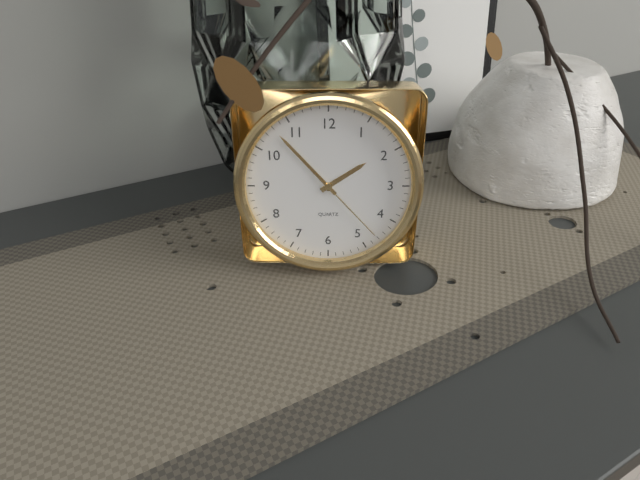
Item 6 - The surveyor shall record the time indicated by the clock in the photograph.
1:53:23
